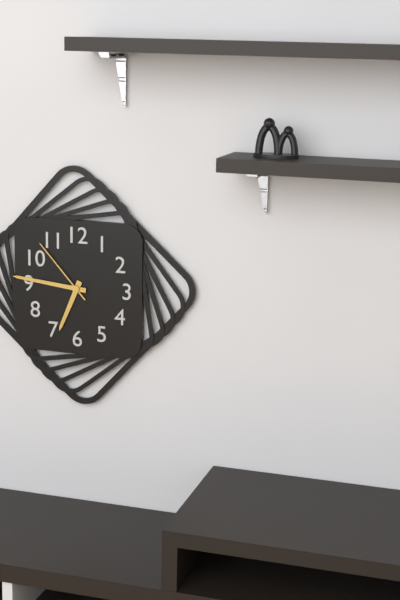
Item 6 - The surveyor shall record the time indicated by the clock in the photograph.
6:46:53
